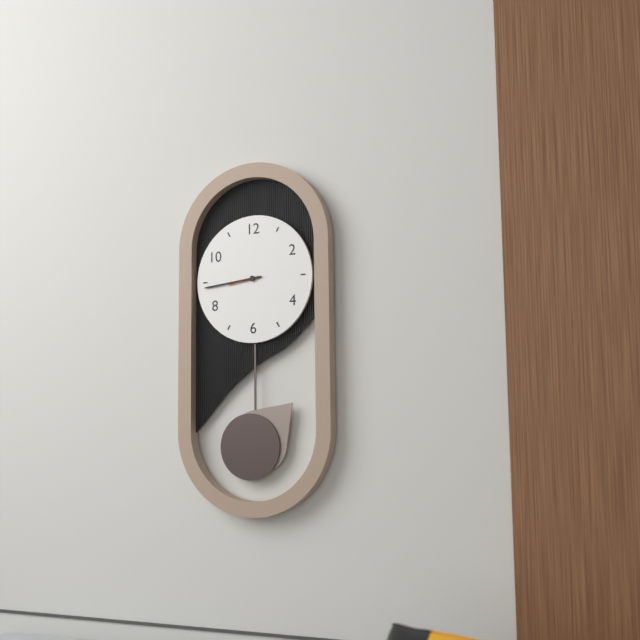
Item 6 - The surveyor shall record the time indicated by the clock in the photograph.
8:44
